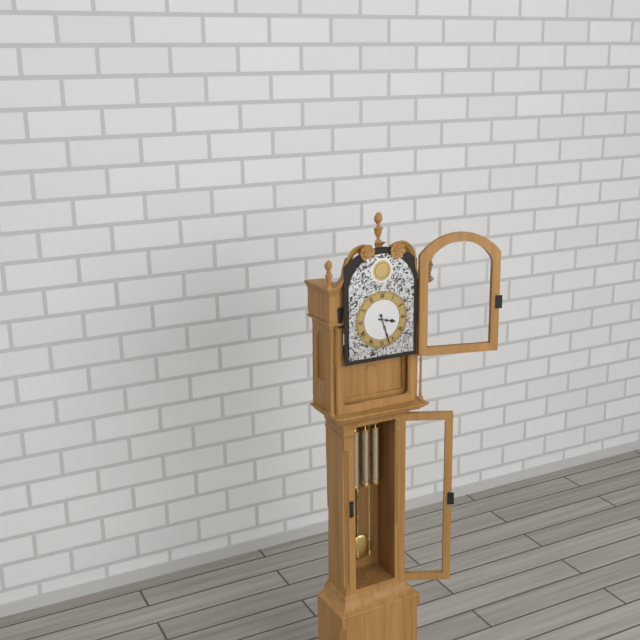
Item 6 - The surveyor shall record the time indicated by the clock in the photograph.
3:27
